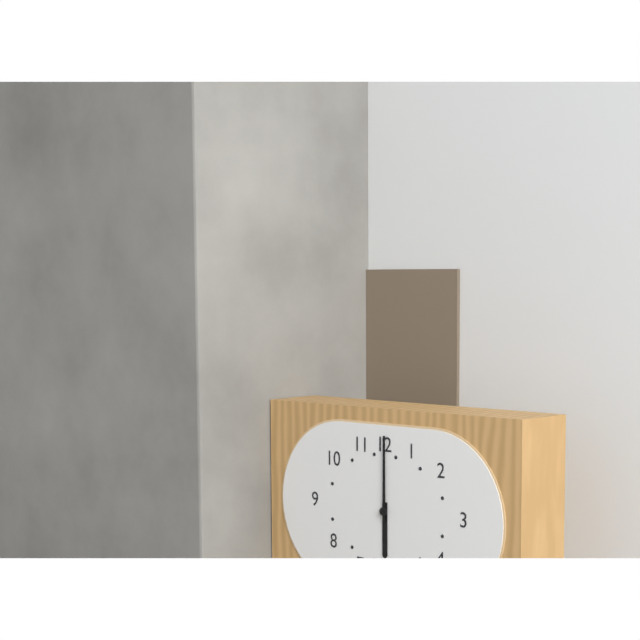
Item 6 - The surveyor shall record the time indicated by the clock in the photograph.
6:00
